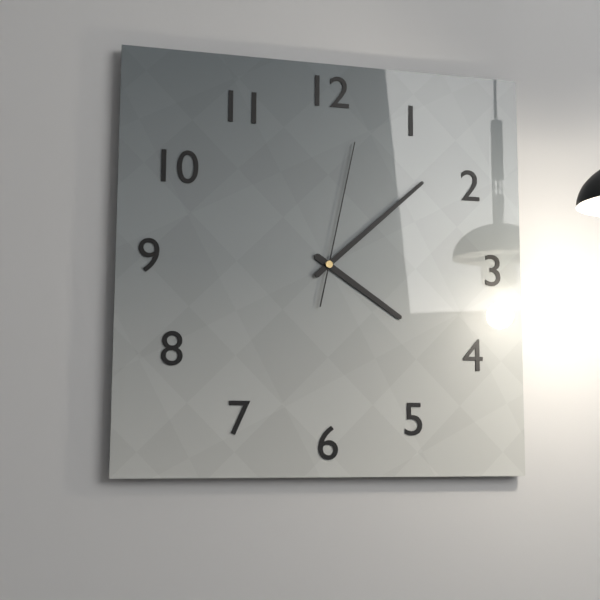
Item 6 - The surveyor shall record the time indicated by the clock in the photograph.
4:08:02
